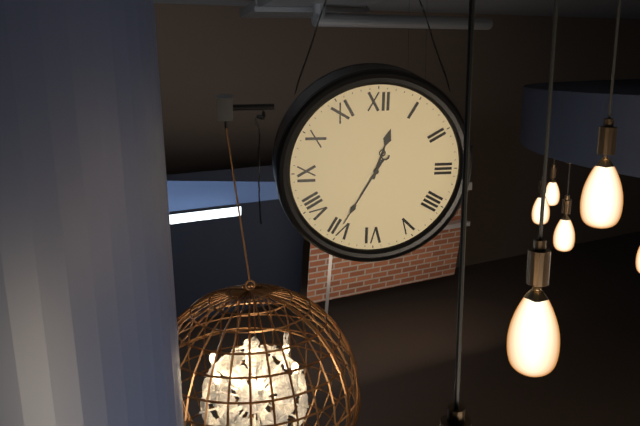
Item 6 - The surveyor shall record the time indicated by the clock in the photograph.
12:35
